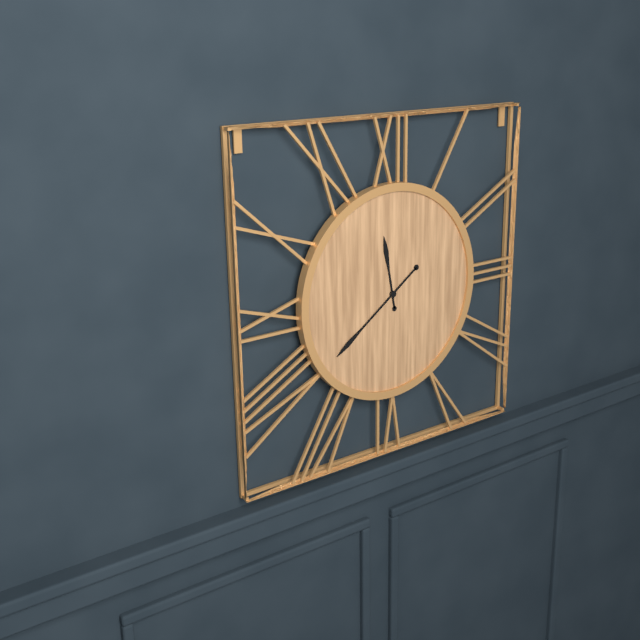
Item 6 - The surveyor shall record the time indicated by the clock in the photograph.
11:39
